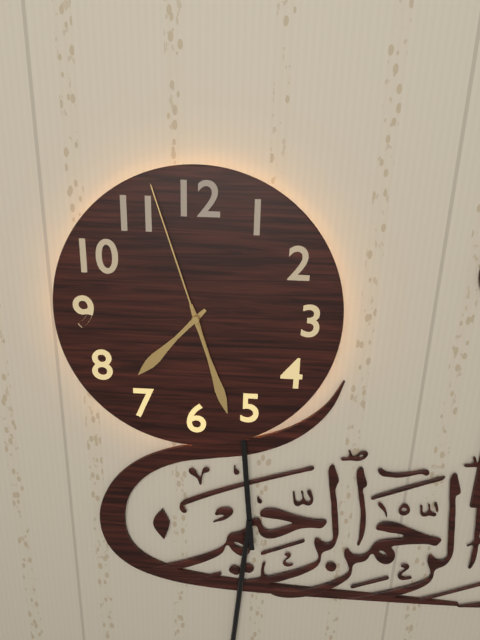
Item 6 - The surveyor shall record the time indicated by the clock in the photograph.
7:27:57
